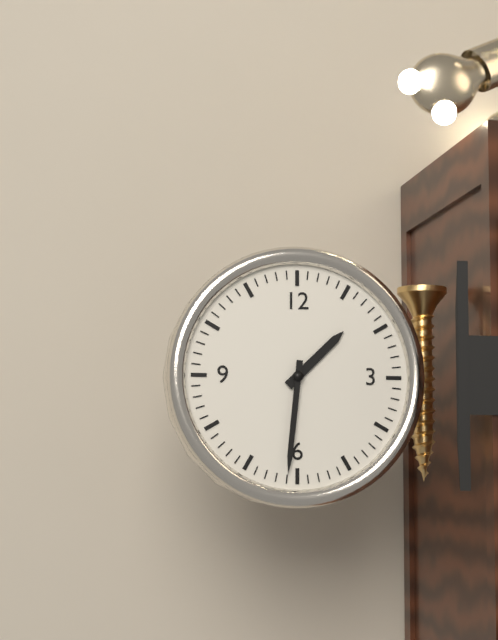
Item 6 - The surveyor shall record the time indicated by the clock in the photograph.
1:31
